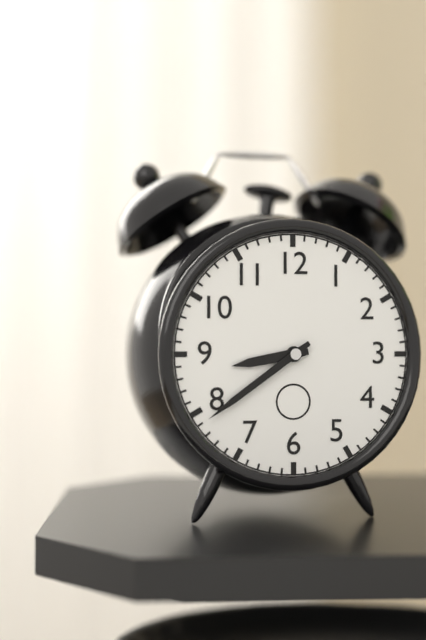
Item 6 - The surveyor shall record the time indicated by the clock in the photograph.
8:39
